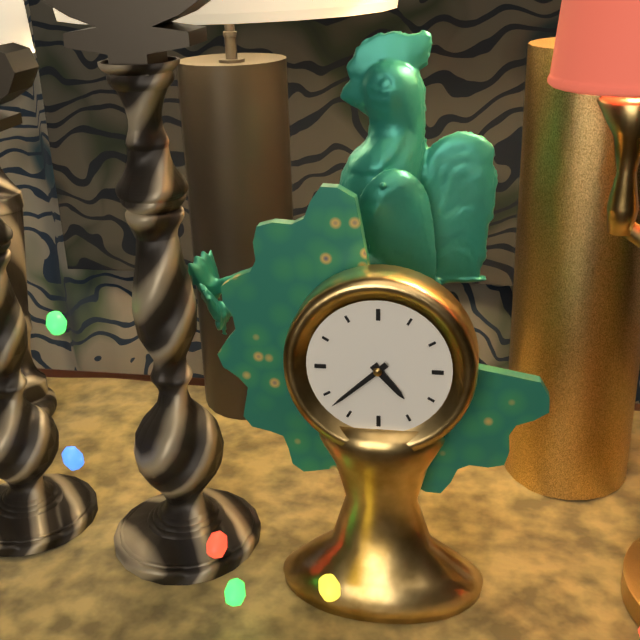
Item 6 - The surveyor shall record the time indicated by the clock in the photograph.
4:38
